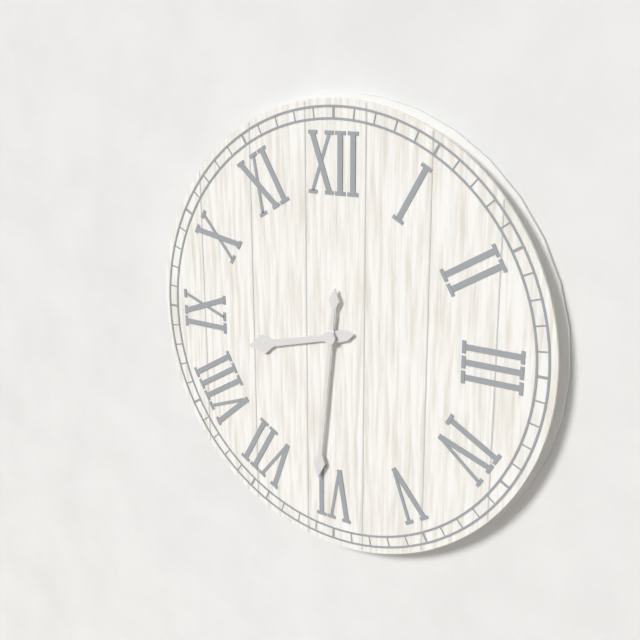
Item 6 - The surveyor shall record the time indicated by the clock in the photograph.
8:31
